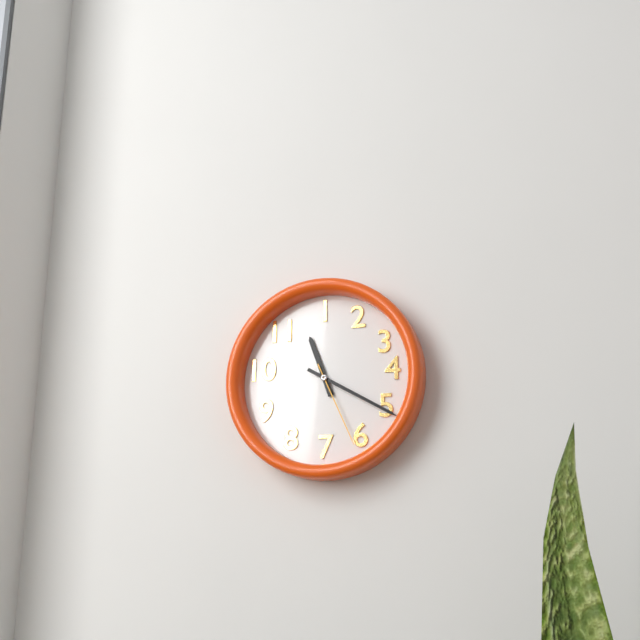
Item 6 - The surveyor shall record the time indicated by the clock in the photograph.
11:20:26
